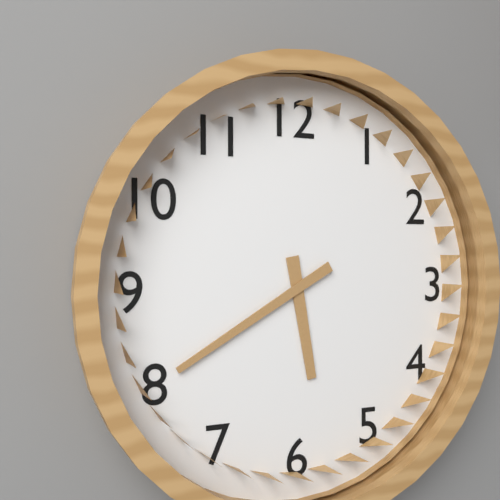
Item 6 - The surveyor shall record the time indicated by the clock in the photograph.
5:40
